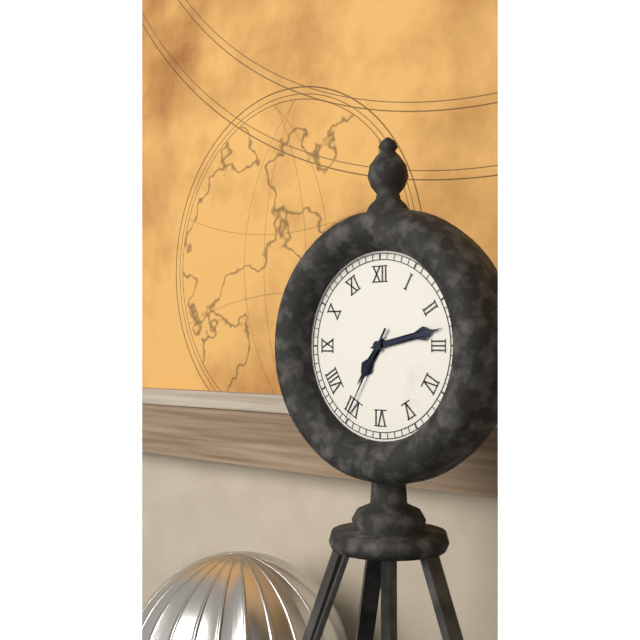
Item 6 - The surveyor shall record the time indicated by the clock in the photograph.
7:13:35
